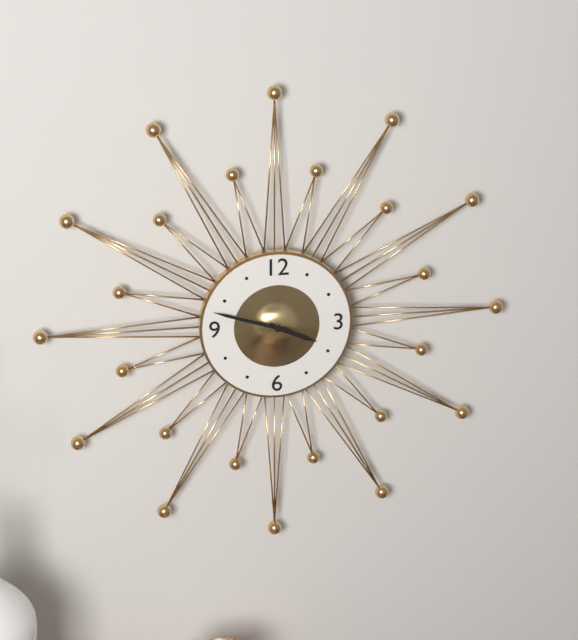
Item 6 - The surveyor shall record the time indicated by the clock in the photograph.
3:48
